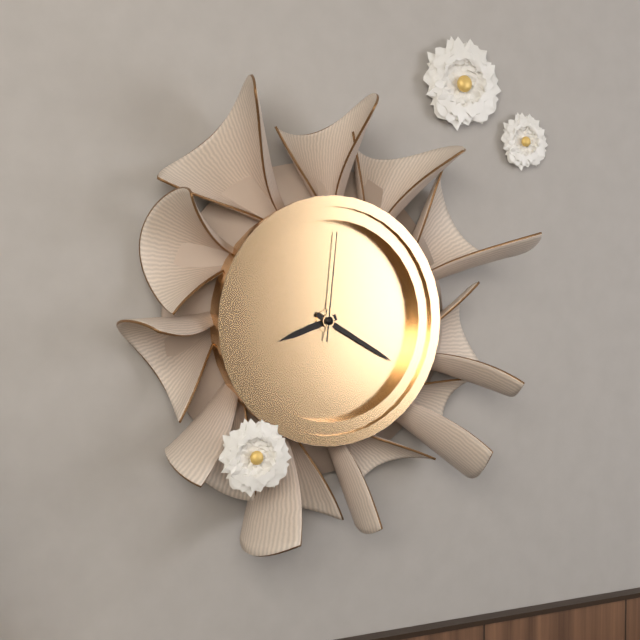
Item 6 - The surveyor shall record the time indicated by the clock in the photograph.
8:20:01
